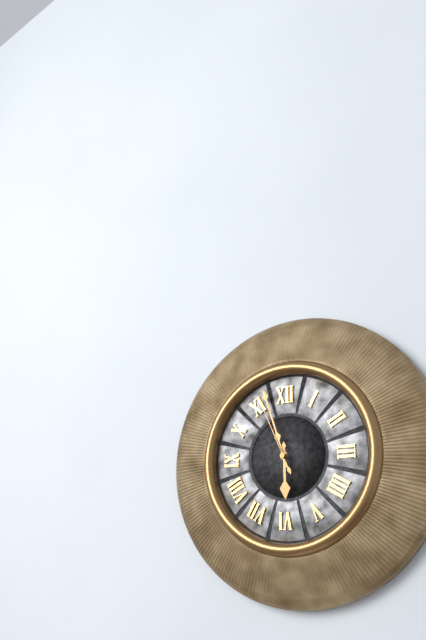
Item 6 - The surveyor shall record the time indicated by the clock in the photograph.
5:57:56
